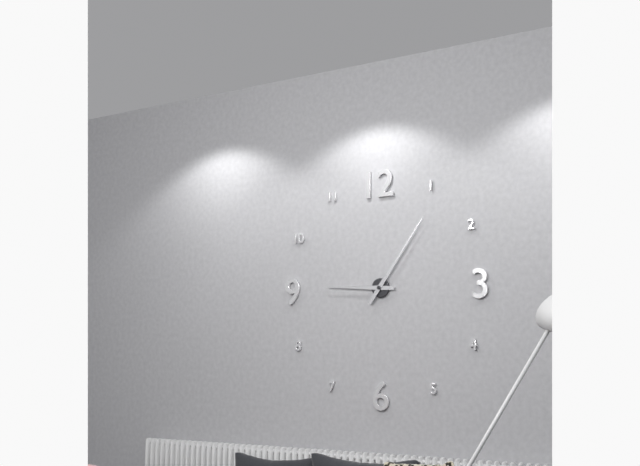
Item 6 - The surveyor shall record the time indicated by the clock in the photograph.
9:06
